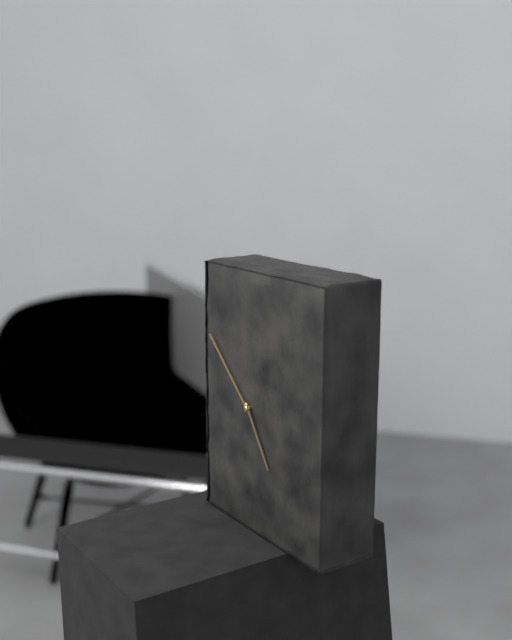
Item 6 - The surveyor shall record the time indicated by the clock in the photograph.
4:52
